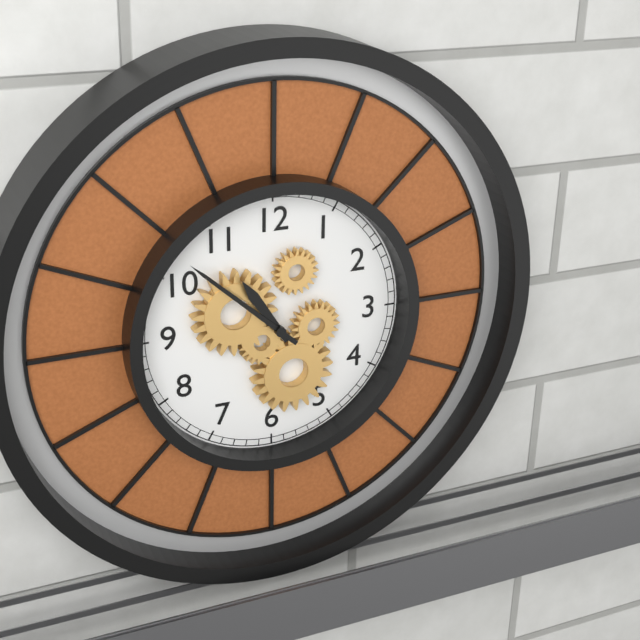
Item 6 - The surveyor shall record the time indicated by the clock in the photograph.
10:52
